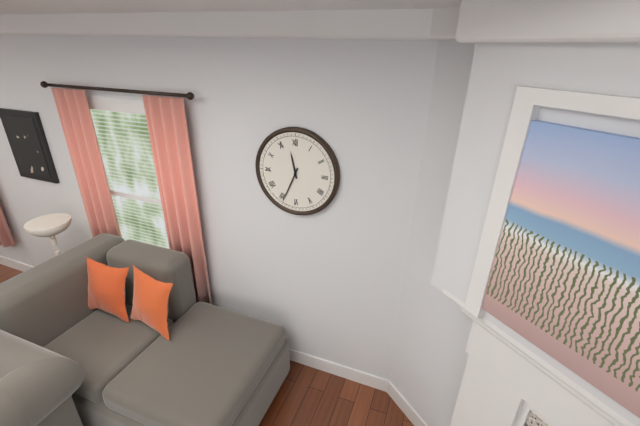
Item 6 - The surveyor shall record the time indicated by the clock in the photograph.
11:34
